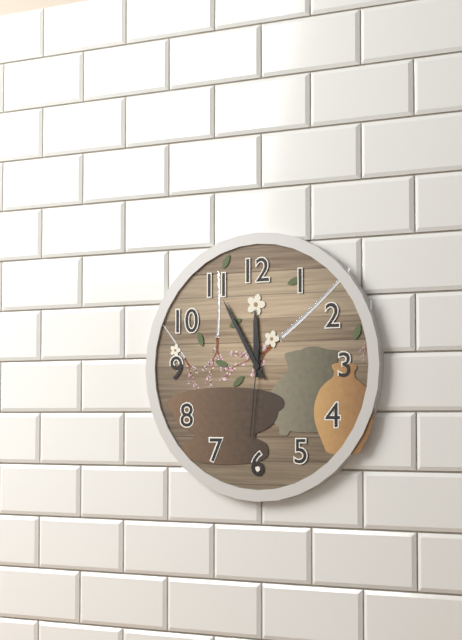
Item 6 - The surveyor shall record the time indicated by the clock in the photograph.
11:55:31
